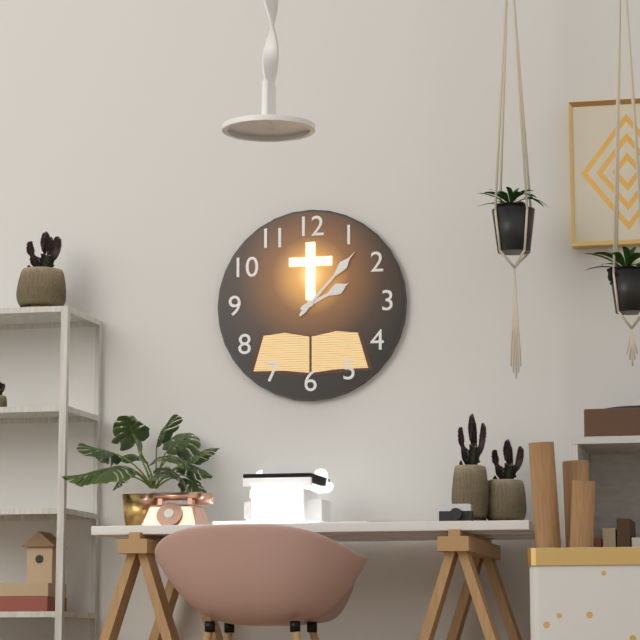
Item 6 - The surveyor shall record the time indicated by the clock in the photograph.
2:07
